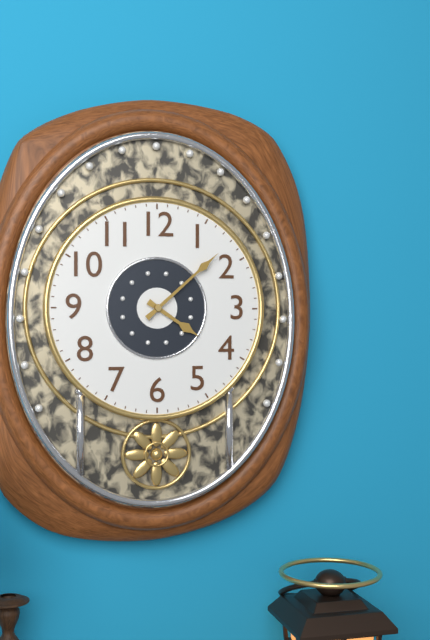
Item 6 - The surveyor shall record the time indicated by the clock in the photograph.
4:08
